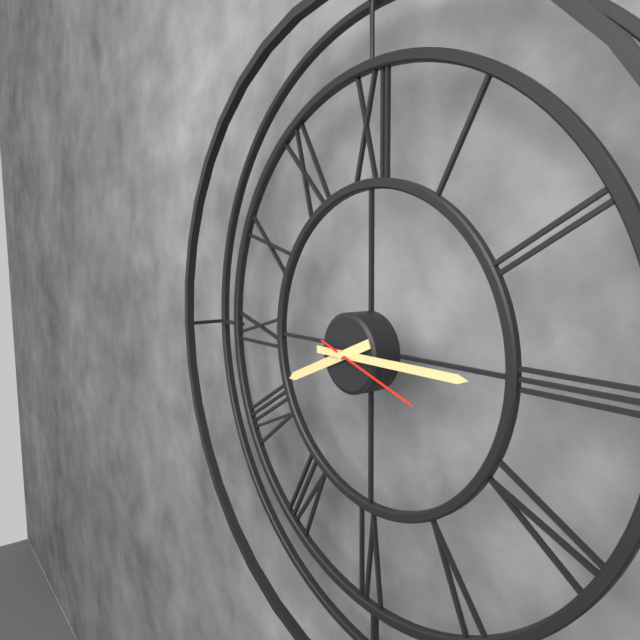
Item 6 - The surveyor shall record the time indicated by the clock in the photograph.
8:15:18
